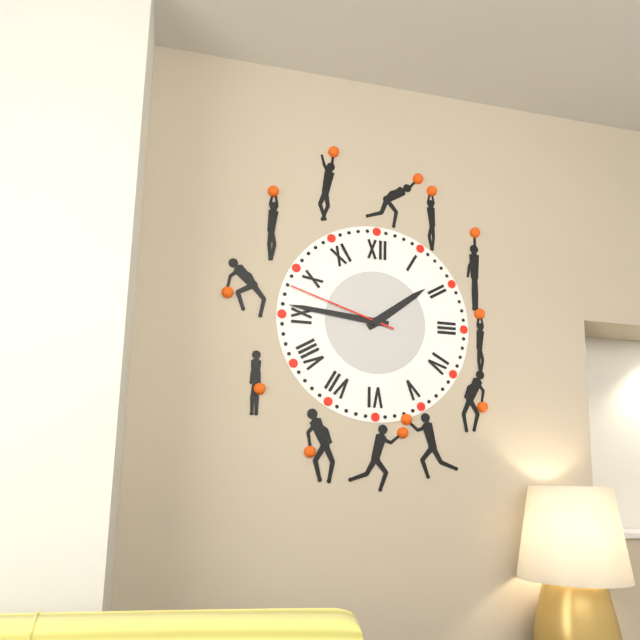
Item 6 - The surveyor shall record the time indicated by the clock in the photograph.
1:46:48
